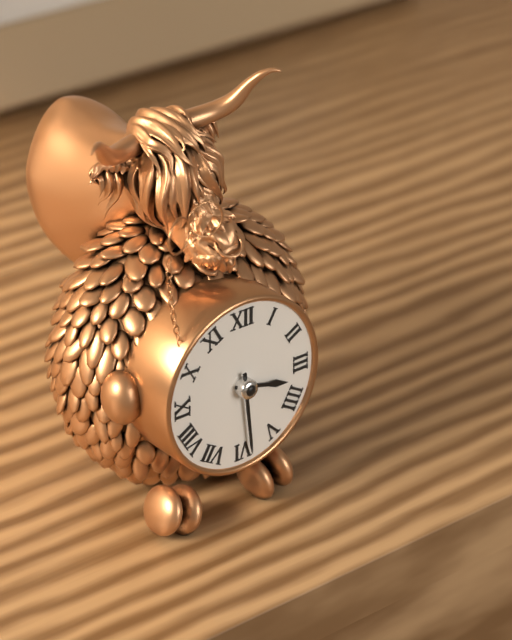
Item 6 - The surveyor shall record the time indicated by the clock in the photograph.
3:29
